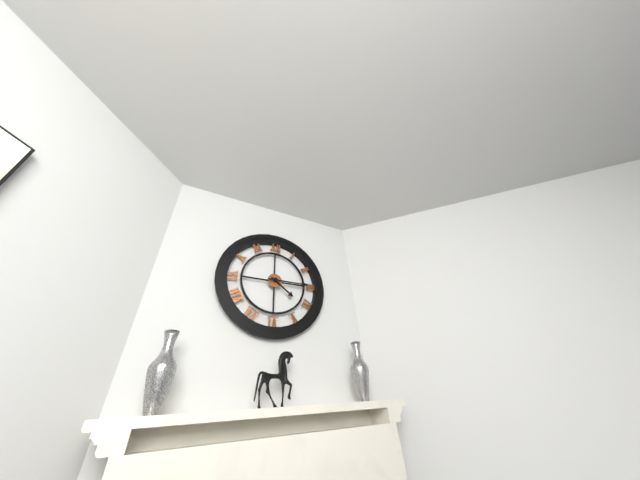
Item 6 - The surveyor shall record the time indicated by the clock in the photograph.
4:15
